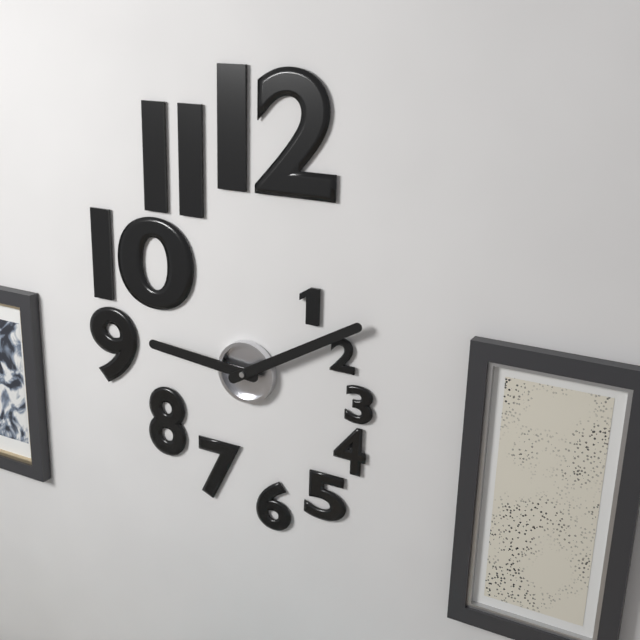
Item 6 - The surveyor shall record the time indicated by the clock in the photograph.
9:10
